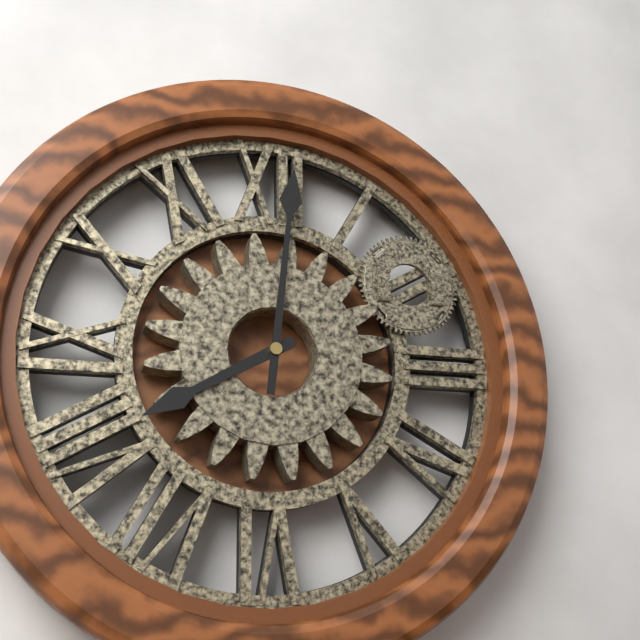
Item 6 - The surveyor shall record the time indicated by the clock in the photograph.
8:01
